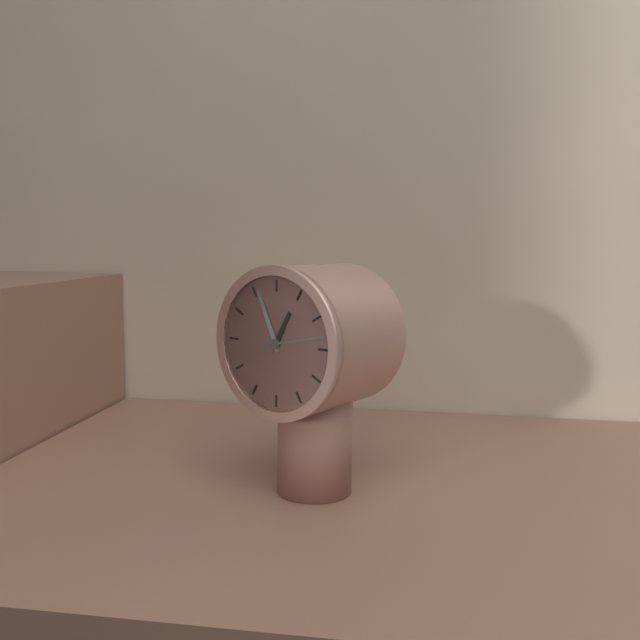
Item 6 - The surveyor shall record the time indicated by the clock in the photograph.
12:56:13
